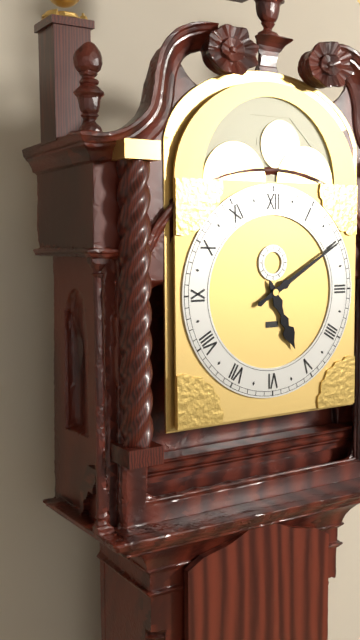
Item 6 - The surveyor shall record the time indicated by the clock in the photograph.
5:10
